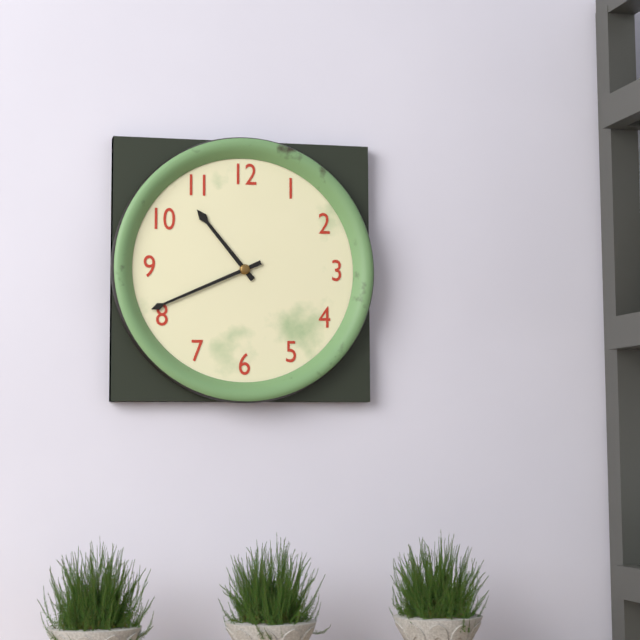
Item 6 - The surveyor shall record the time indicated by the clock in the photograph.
10:41
